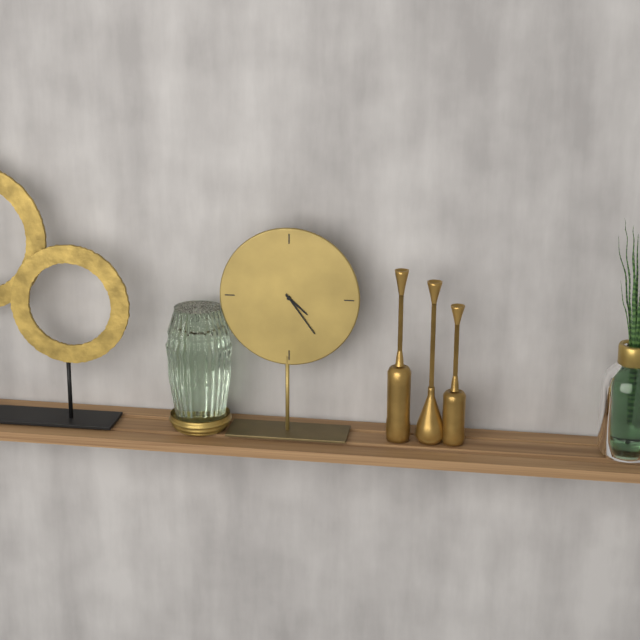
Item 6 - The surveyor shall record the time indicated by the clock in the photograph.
4:24
